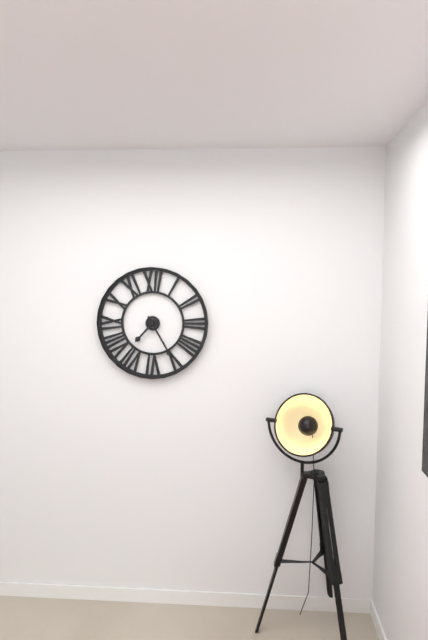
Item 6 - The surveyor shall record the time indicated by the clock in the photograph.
7:25
